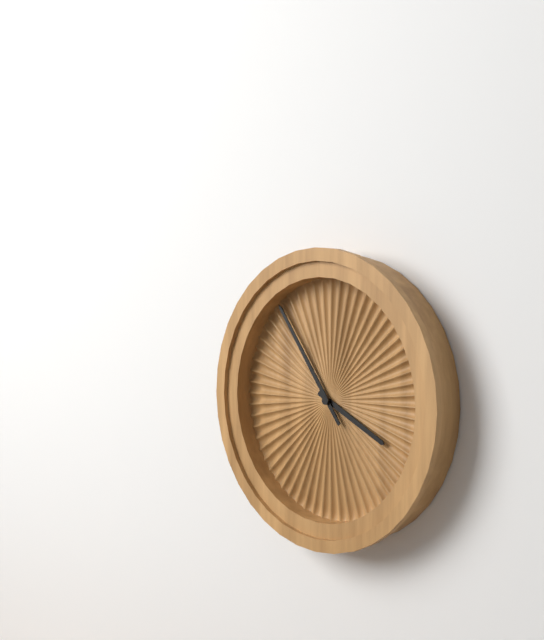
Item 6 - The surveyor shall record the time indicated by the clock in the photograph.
3:54
